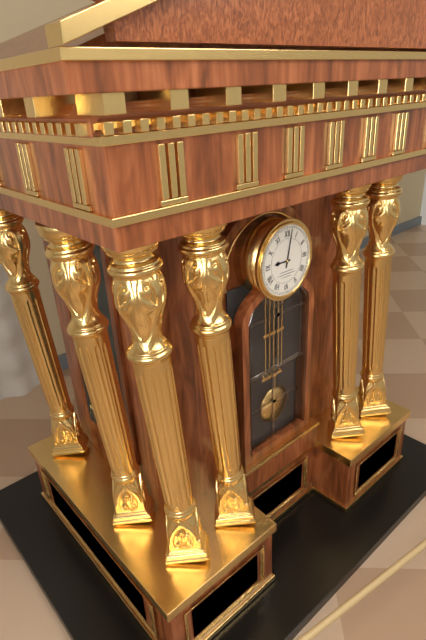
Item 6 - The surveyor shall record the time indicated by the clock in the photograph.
9:02
